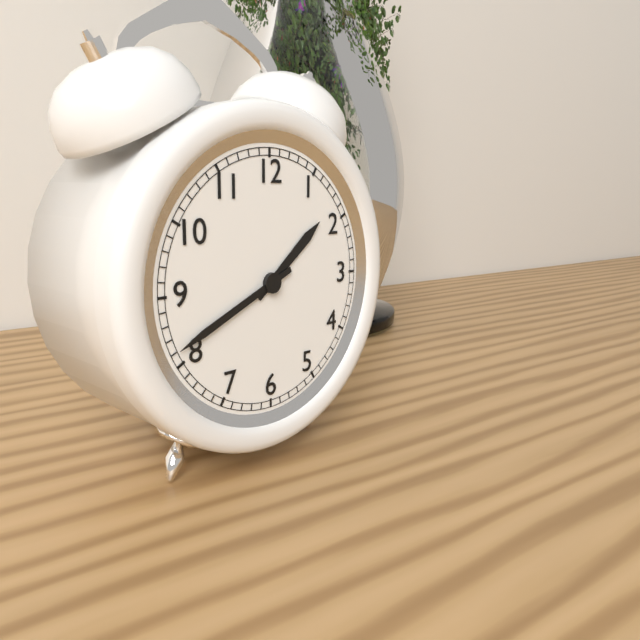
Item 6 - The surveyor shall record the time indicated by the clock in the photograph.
1:41
